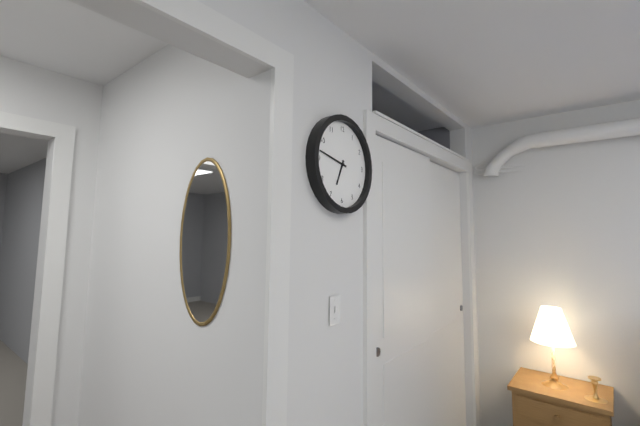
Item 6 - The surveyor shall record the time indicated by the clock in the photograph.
6:47
